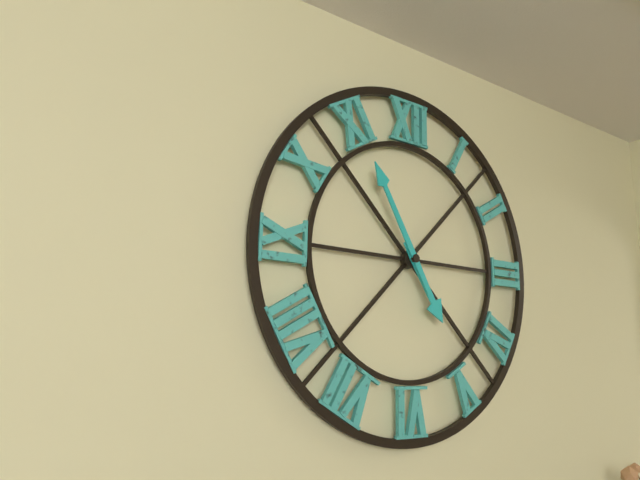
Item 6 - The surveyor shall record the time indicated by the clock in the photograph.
4:55
